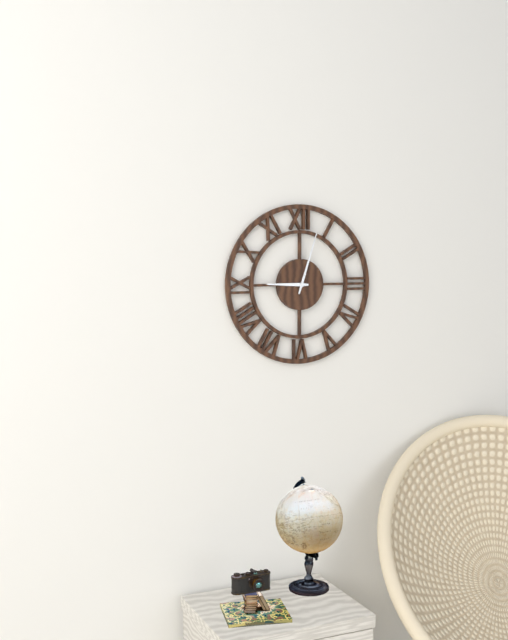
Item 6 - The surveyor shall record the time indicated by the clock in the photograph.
9:03
